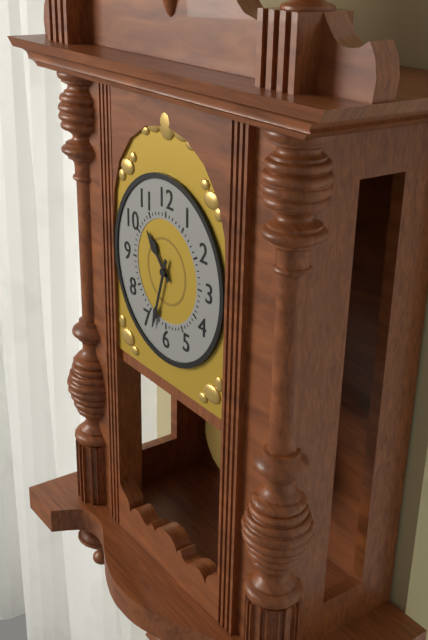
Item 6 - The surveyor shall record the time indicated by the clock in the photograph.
10:33
